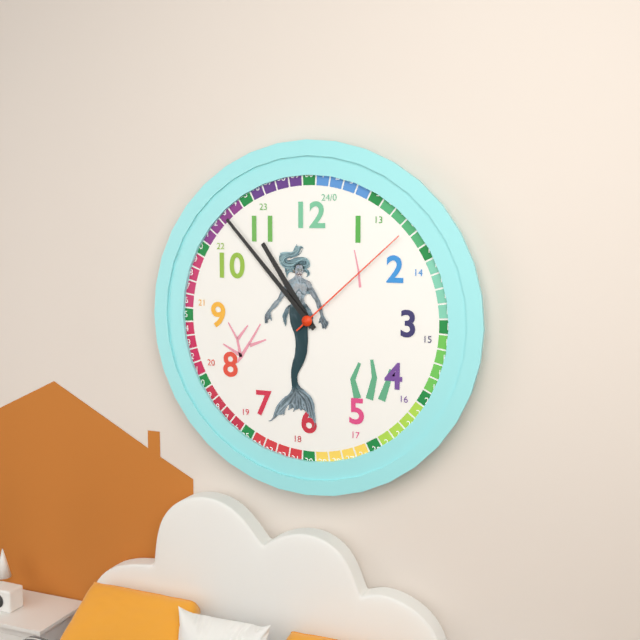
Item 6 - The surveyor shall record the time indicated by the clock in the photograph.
10:53:08
